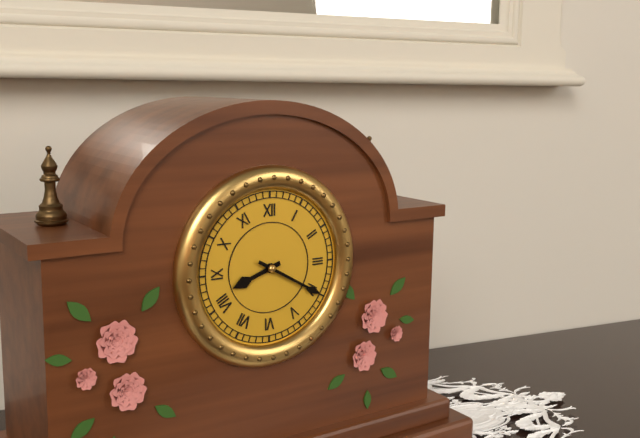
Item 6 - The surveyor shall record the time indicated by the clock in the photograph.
8:20
